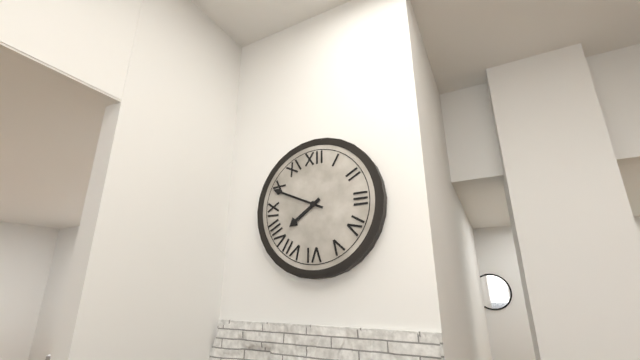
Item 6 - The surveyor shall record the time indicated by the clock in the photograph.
7:49
